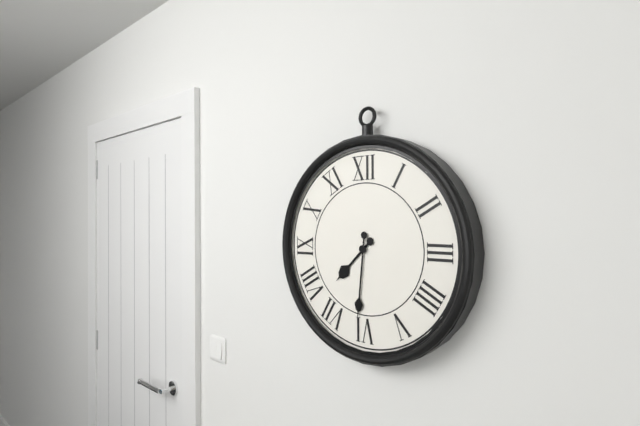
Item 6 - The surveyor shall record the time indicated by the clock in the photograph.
7:31
